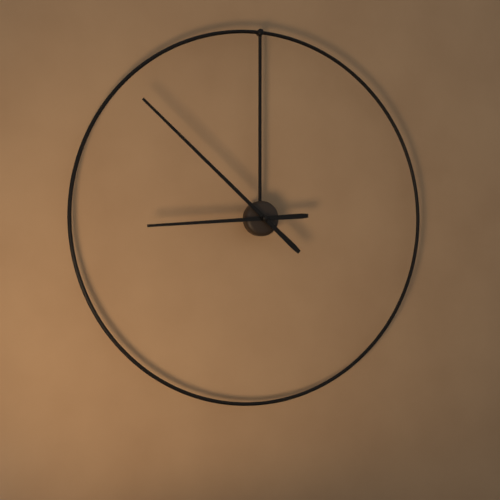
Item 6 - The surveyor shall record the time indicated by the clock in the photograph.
8:52
